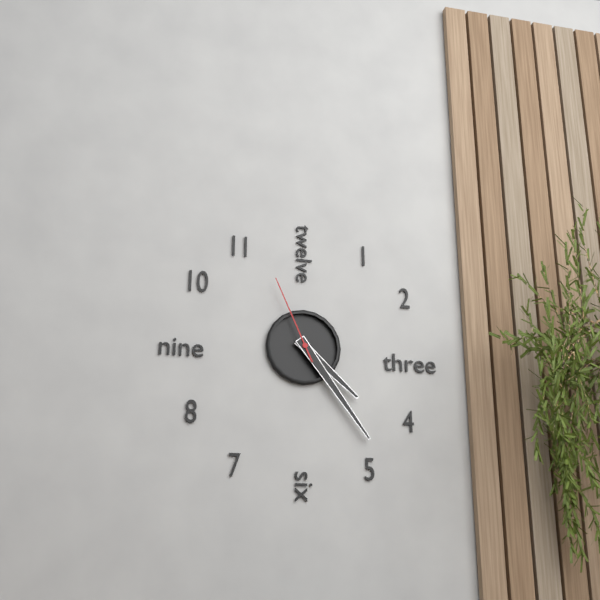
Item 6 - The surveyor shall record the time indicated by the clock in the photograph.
4:24:56
